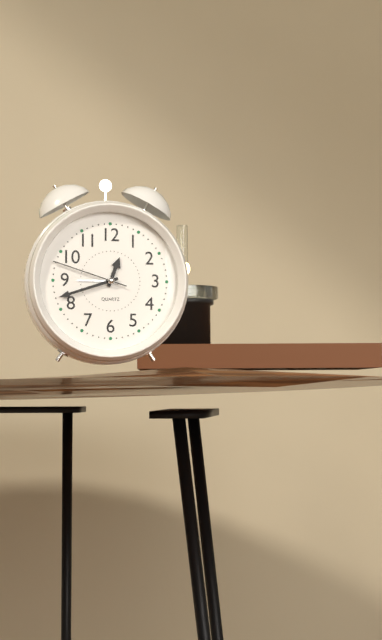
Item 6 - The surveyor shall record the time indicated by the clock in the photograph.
12:42:48
